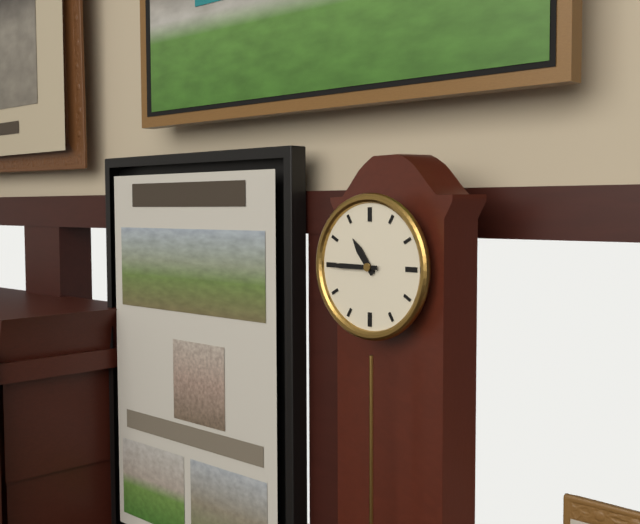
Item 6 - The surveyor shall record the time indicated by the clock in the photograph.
10:45
